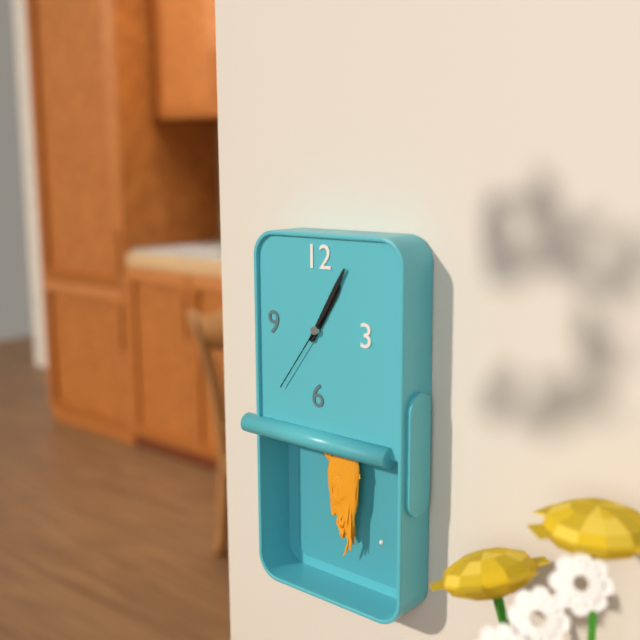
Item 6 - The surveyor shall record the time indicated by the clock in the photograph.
1:05:36
